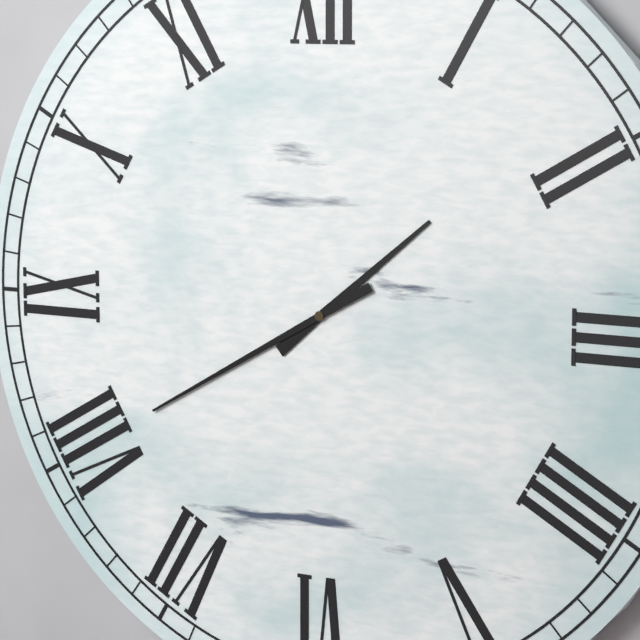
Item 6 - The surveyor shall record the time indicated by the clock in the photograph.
1:40
